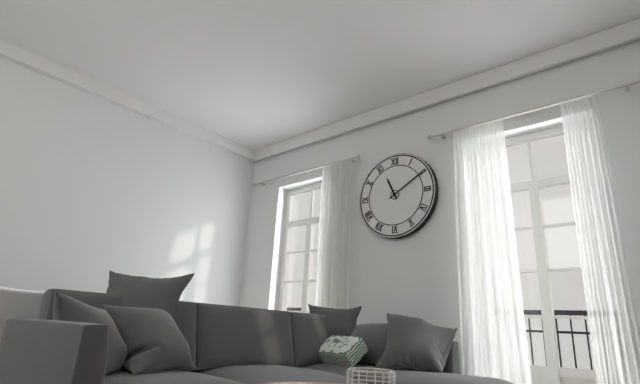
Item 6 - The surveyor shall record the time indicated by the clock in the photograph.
11:10
